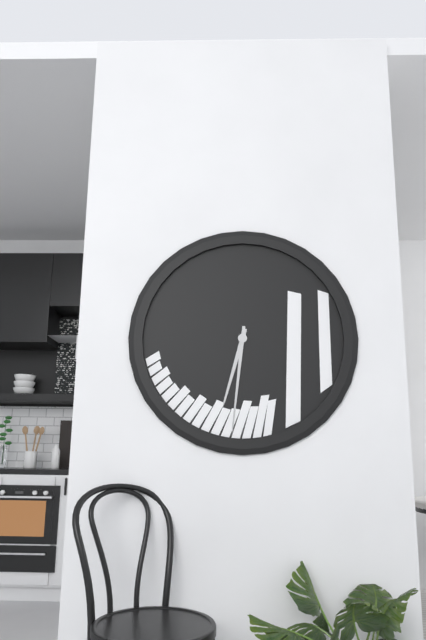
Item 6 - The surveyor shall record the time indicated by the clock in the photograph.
6:31
